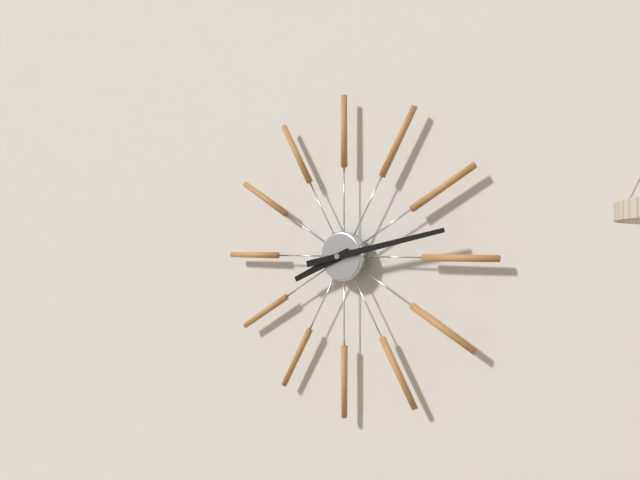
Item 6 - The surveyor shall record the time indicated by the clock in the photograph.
8:13
